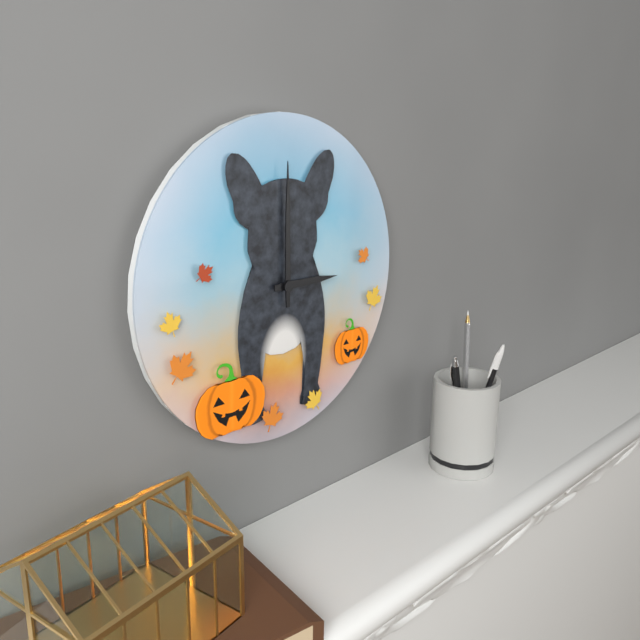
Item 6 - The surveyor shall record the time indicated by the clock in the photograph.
3:00
